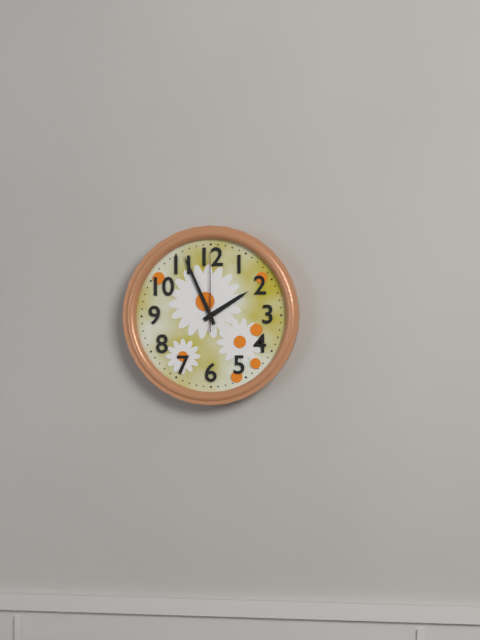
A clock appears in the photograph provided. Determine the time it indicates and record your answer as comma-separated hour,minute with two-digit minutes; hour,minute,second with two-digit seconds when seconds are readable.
1,56,00
